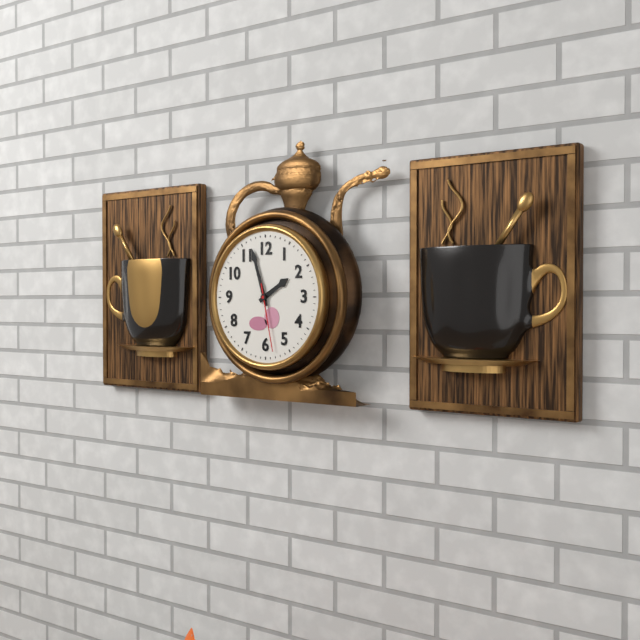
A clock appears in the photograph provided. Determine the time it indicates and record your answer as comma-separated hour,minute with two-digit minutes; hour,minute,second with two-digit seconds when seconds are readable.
1,57,28
